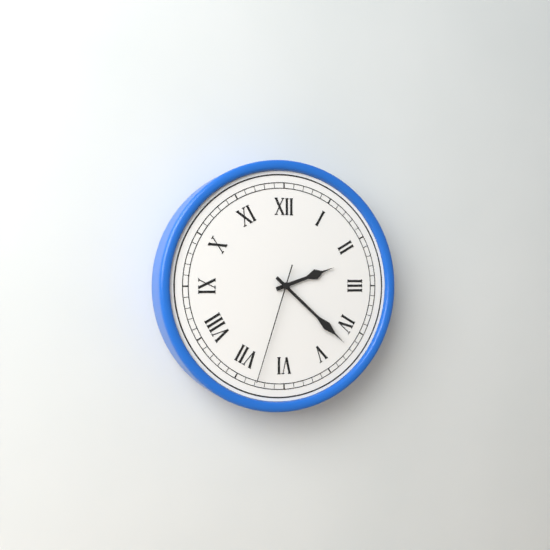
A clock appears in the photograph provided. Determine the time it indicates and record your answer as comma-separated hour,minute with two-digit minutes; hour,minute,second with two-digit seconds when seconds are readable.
2,22,33
